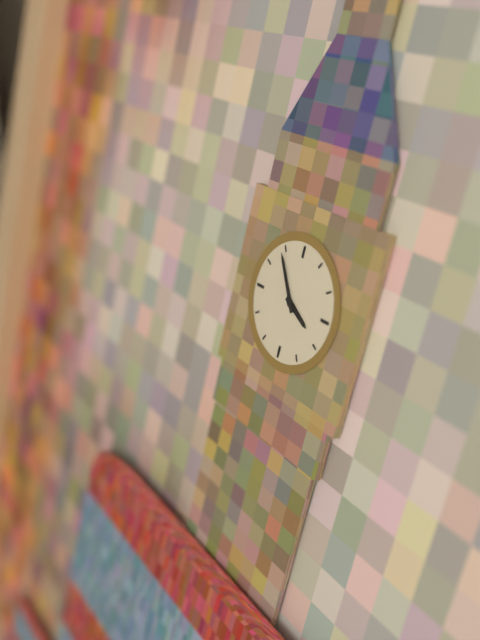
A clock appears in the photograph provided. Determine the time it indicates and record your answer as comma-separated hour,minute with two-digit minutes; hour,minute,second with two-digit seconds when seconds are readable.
3,54
